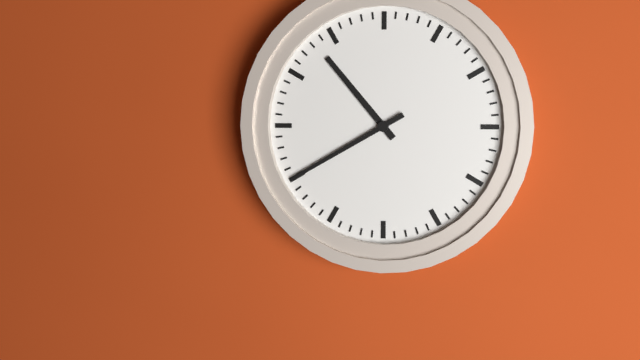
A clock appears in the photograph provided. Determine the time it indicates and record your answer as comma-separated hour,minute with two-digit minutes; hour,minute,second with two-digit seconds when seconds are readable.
10,40
